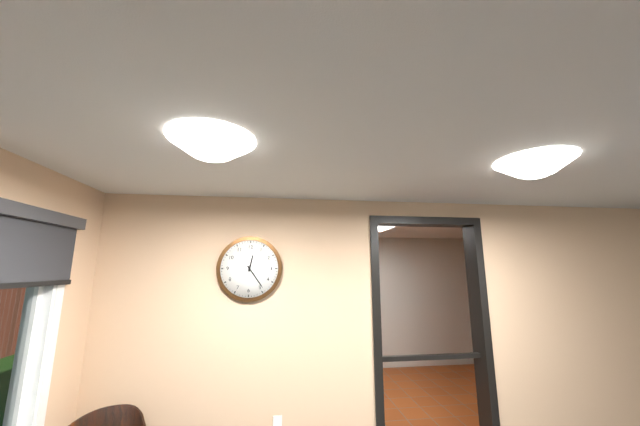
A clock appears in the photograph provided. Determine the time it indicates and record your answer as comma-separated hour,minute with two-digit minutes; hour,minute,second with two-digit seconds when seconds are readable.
12,24
